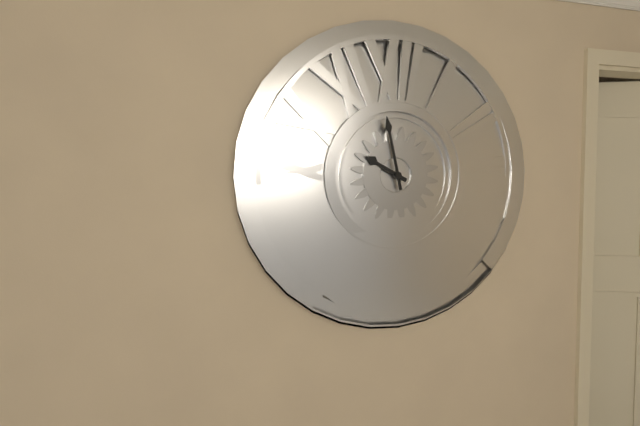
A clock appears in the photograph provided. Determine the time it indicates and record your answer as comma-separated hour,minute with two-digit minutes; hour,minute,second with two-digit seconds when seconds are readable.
9,58
